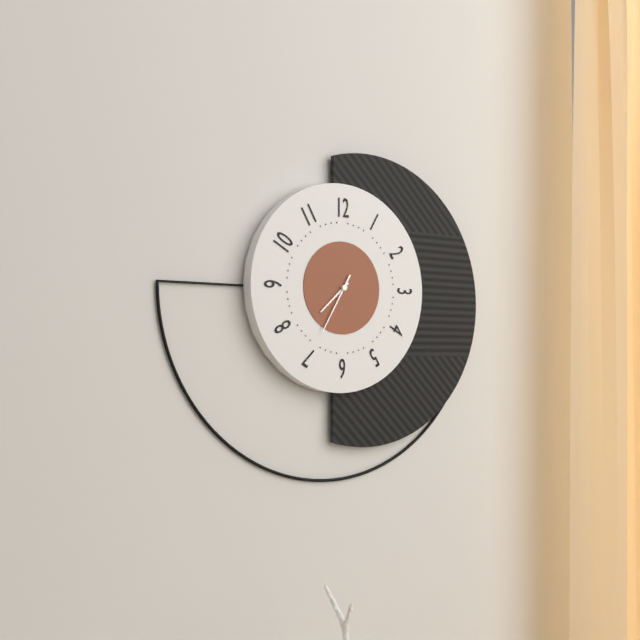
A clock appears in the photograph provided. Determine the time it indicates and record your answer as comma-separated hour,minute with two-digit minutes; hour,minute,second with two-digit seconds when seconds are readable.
7,35
